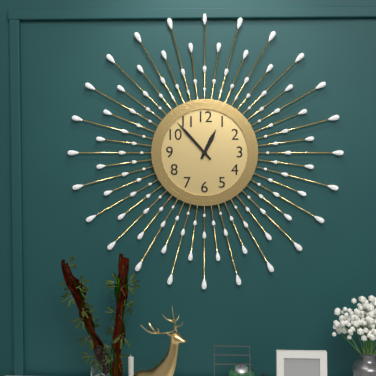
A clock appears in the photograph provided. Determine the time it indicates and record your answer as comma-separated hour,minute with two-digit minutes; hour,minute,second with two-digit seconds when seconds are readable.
12,53
